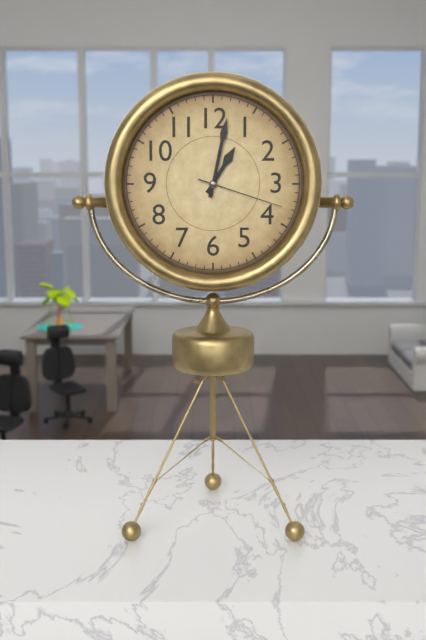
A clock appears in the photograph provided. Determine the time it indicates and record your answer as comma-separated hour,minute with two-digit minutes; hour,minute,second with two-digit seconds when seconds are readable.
1,02,18
